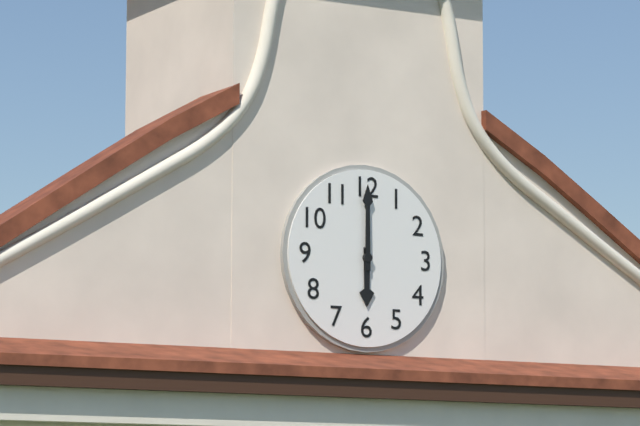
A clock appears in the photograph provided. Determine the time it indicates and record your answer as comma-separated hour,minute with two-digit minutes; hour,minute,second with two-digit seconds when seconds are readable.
6,00
